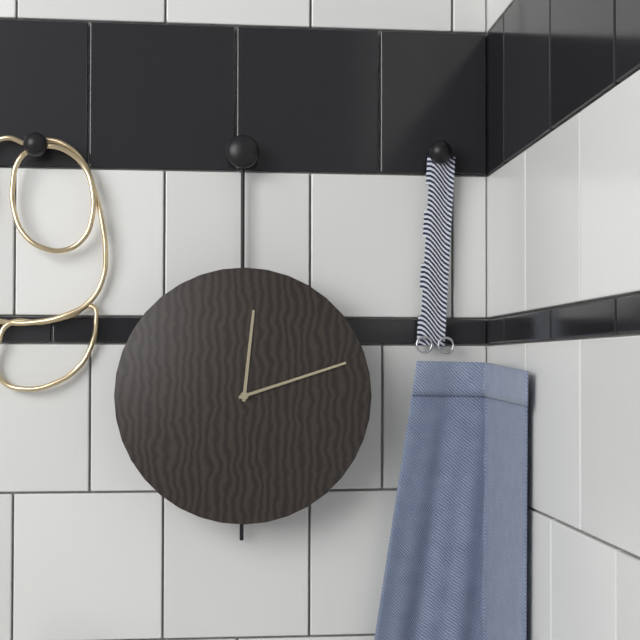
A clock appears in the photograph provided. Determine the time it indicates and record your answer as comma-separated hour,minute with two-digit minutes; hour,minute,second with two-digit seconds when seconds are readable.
12,12
